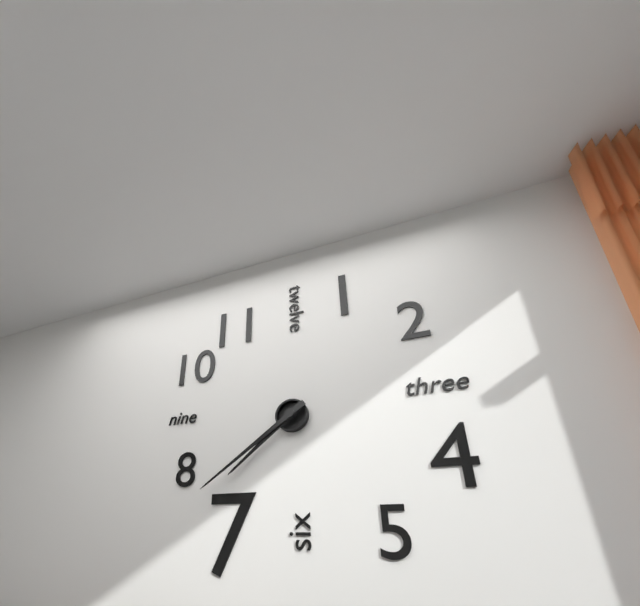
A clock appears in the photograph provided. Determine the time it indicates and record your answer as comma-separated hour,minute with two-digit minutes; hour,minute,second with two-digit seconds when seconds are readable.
7,39
